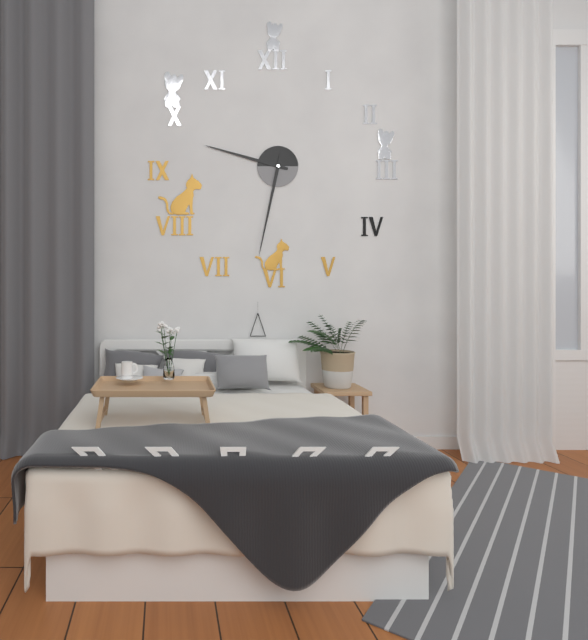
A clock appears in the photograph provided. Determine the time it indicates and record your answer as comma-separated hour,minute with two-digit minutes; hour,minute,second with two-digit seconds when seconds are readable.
9,32
